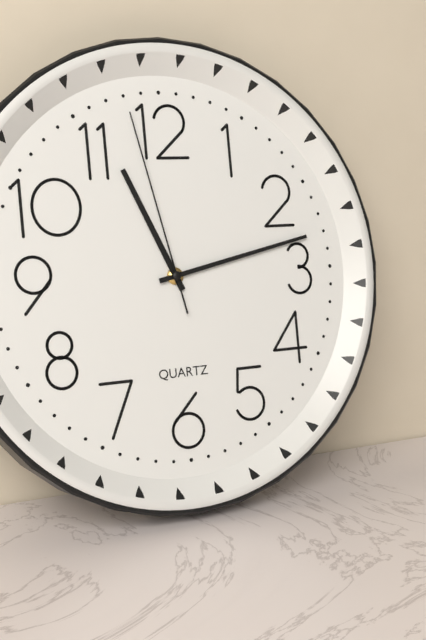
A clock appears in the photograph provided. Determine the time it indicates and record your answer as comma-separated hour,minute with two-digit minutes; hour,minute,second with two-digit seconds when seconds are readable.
11,13,58
